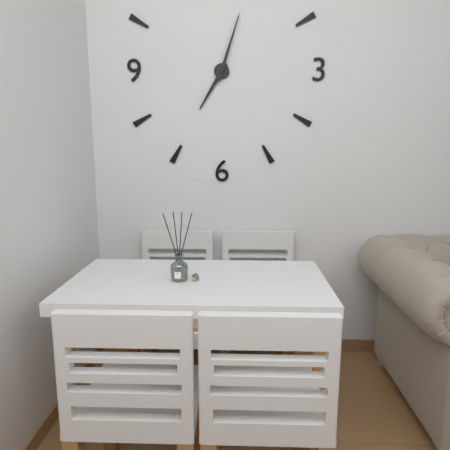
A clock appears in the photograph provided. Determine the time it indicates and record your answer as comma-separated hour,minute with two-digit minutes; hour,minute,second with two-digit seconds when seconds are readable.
7,03
